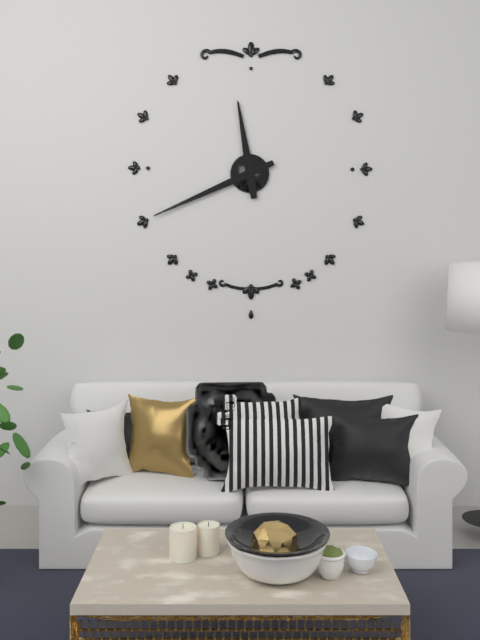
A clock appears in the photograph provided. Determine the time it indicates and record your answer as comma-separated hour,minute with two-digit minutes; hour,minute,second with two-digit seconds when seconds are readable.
11,41
